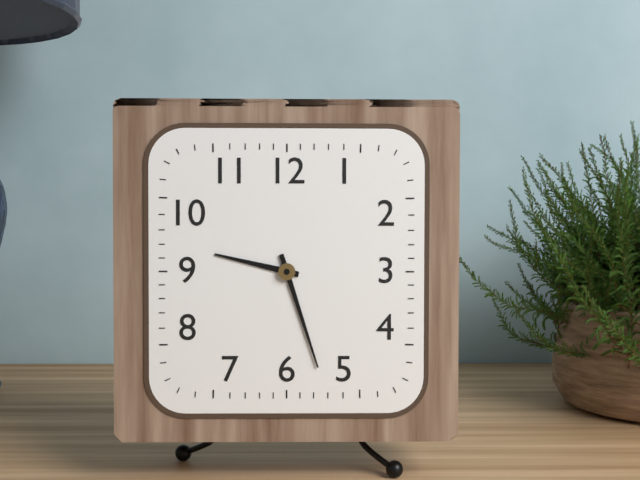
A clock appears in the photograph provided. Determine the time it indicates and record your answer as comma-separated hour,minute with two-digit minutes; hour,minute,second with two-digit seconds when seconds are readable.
9,27
